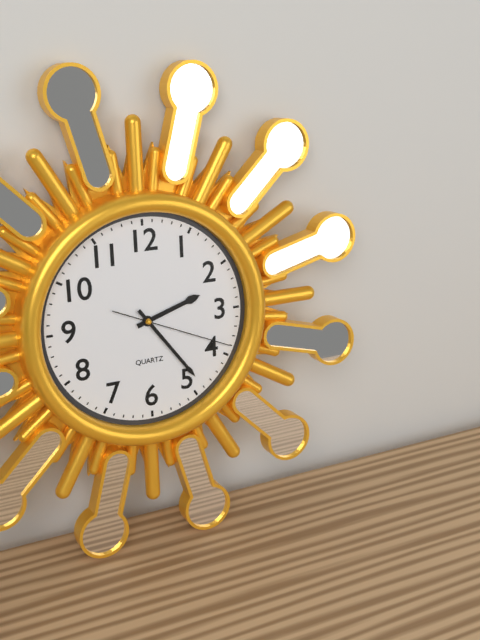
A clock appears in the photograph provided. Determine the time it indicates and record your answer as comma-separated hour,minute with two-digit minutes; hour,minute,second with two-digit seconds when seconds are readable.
2,24,19
